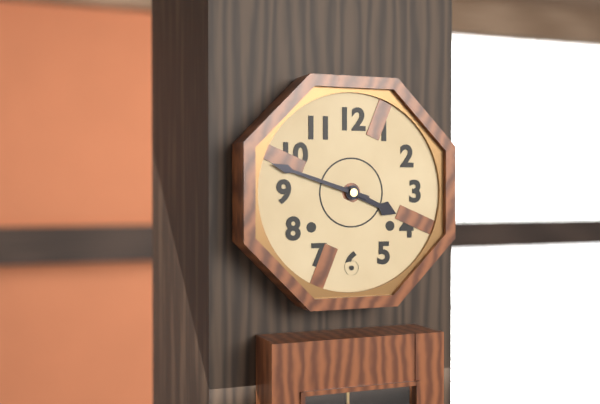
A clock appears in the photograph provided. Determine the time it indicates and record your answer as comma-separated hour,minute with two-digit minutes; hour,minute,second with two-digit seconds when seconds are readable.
3,48
